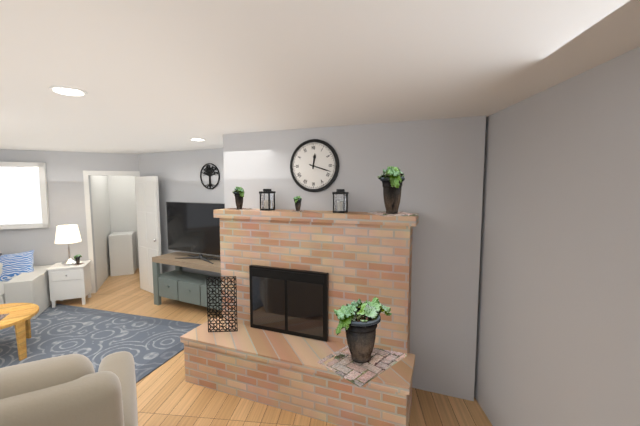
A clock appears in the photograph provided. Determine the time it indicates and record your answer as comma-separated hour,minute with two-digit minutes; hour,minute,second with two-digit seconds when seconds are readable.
12,18
